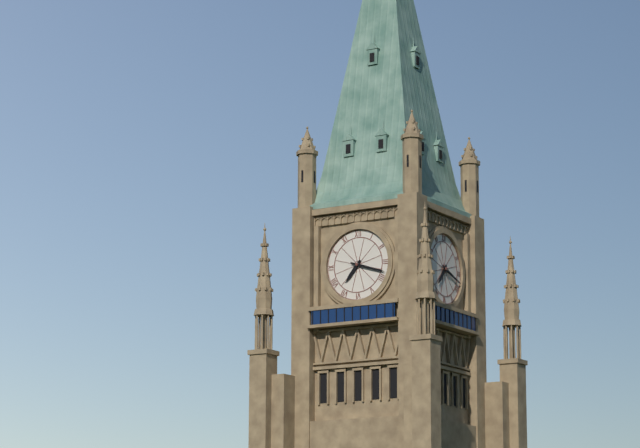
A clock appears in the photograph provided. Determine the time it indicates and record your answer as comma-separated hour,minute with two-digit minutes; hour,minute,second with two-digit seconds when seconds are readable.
7,18
